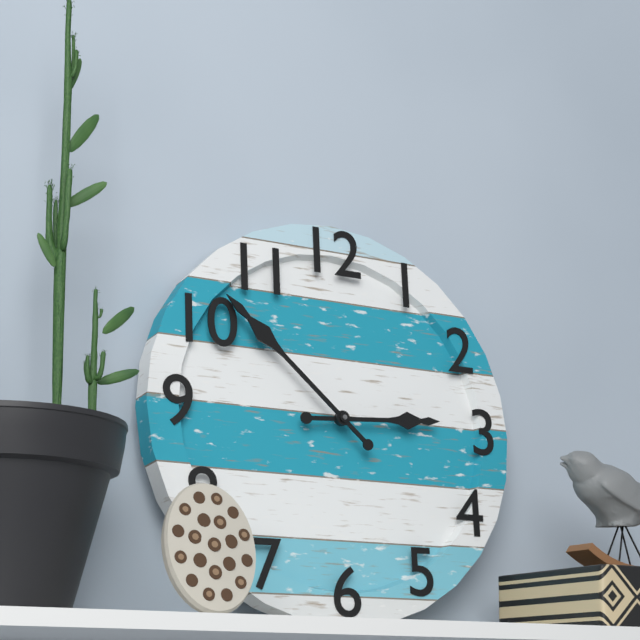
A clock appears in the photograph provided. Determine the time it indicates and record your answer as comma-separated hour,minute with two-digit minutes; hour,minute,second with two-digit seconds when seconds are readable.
2,52
